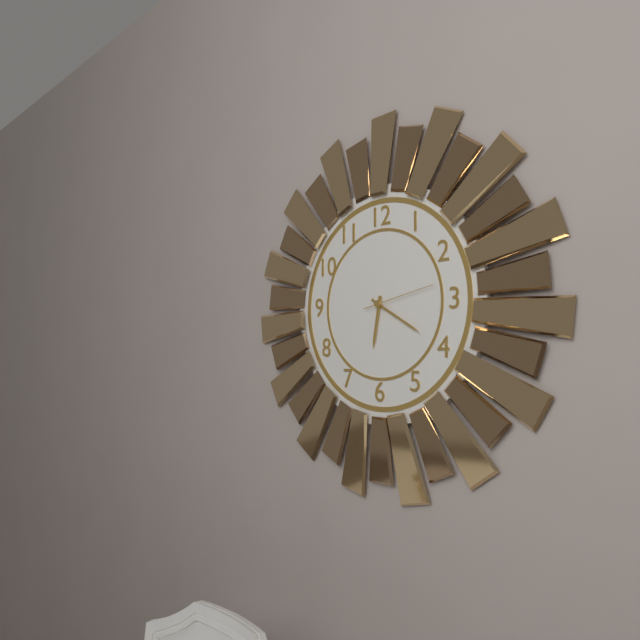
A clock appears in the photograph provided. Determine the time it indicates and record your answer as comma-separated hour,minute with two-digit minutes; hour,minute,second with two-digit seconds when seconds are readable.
6,20,13
